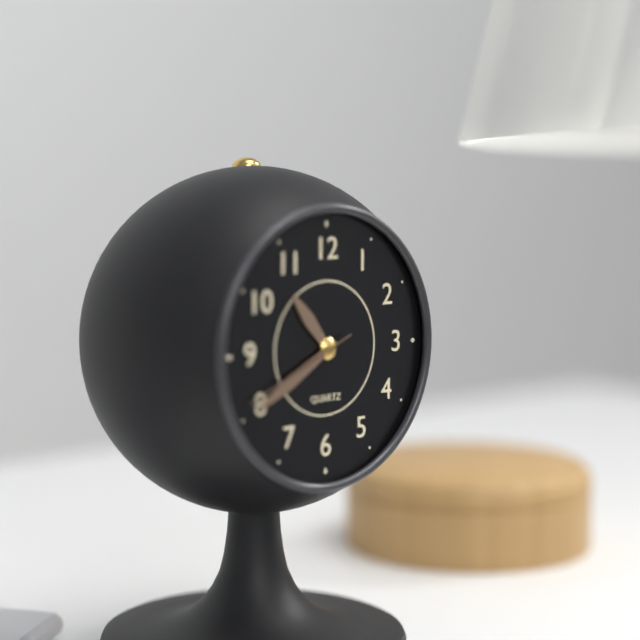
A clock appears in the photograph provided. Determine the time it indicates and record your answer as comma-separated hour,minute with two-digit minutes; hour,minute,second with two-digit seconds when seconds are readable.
10,40,41
